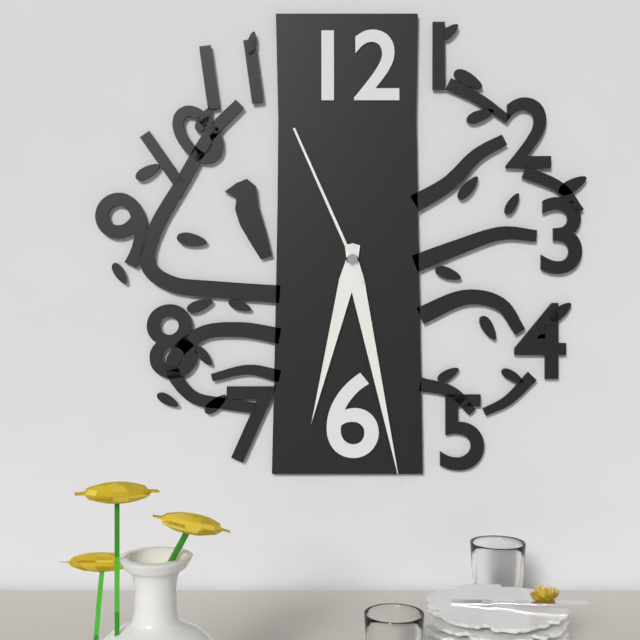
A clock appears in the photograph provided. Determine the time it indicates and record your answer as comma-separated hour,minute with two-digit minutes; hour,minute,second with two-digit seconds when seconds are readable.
6,28,56
